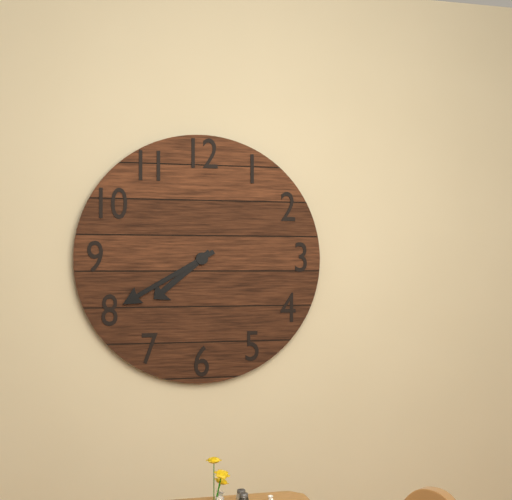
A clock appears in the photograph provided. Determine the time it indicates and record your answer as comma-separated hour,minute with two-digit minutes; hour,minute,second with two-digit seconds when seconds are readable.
7,40
